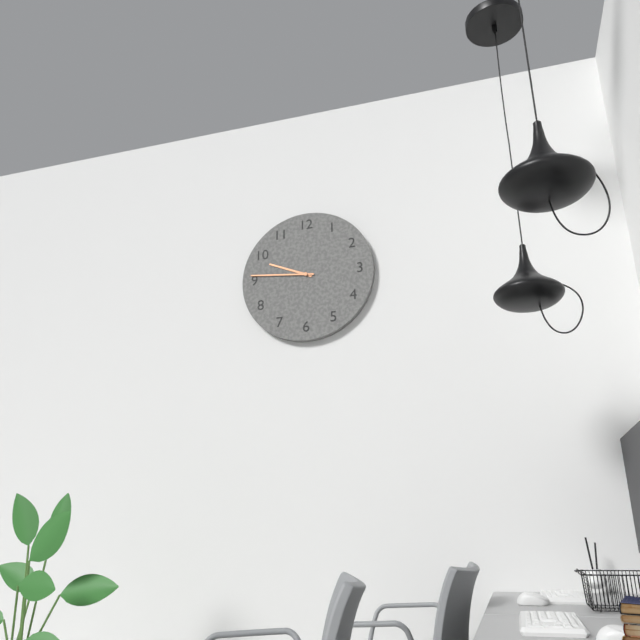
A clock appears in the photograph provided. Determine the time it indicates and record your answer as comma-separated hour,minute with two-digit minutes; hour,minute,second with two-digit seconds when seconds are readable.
9,46
